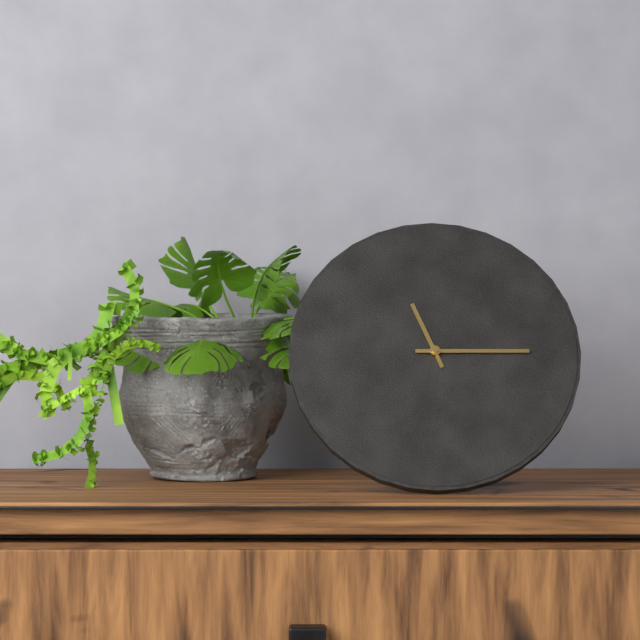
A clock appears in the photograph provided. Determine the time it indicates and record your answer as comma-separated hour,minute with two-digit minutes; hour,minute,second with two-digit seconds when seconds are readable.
11,15
